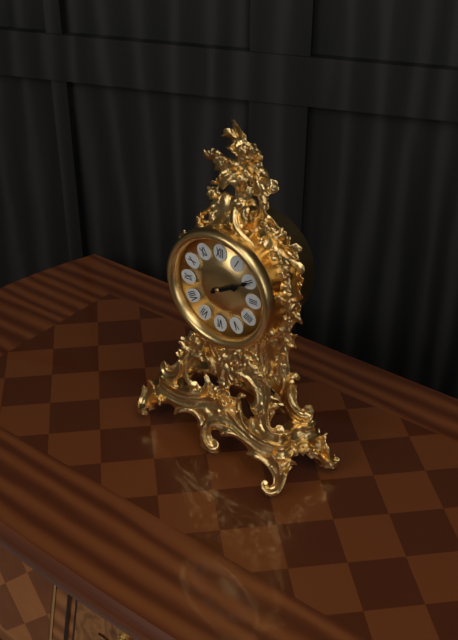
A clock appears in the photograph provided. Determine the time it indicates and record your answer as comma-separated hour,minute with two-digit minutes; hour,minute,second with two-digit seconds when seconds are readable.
2,10
